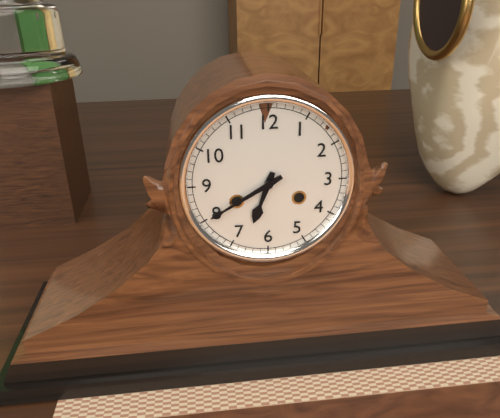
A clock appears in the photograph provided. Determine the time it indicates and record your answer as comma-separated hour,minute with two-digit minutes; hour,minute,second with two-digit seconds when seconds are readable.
6,40
